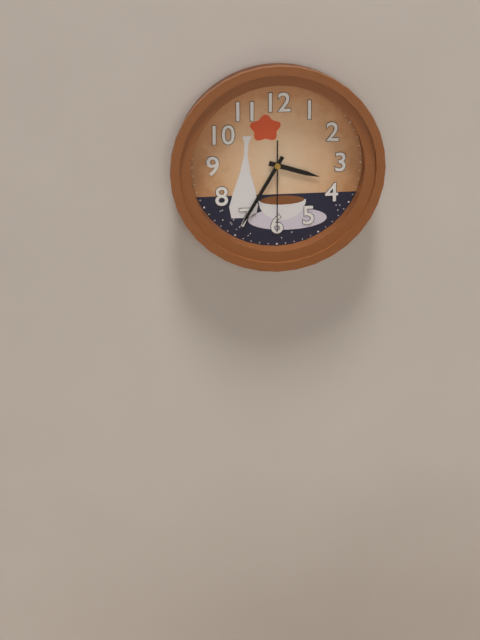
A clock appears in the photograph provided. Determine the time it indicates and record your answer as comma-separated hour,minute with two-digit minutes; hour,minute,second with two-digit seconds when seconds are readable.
3,35,30
